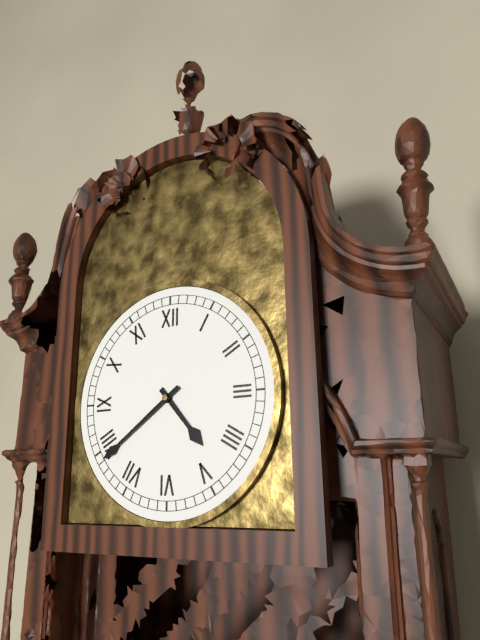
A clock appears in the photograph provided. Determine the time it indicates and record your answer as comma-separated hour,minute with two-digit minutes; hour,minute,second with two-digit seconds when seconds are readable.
4,39
